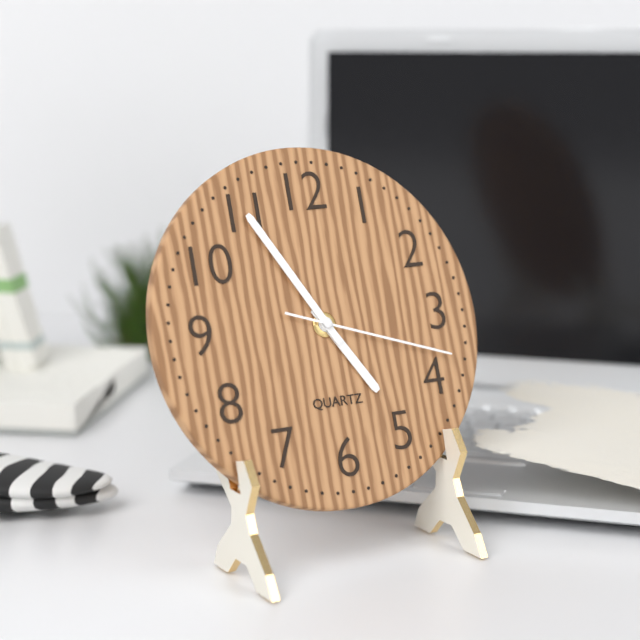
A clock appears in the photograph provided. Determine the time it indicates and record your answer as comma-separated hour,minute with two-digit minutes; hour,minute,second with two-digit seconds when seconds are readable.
4,55,18
